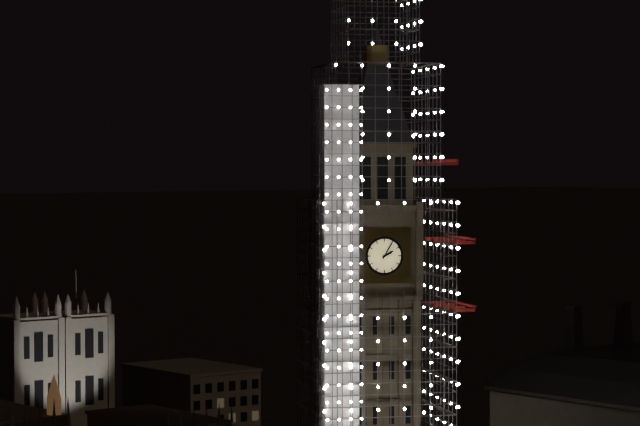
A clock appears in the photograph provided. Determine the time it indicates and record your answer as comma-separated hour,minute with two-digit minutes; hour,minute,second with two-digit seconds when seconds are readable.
2,05
